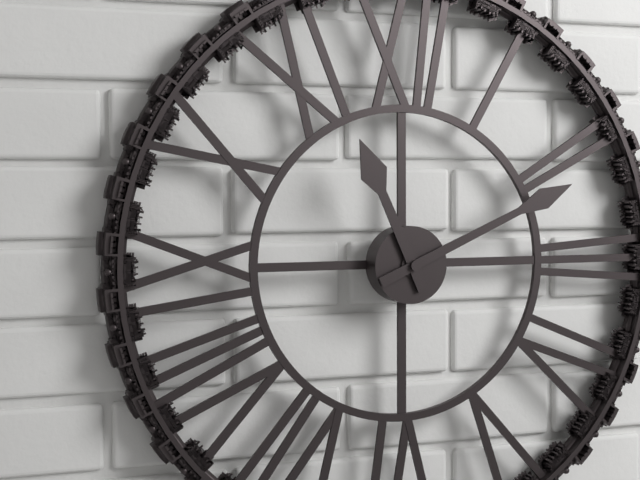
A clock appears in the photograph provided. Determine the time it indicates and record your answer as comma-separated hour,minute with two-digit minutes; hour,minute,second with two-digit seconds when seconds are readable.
11,11
